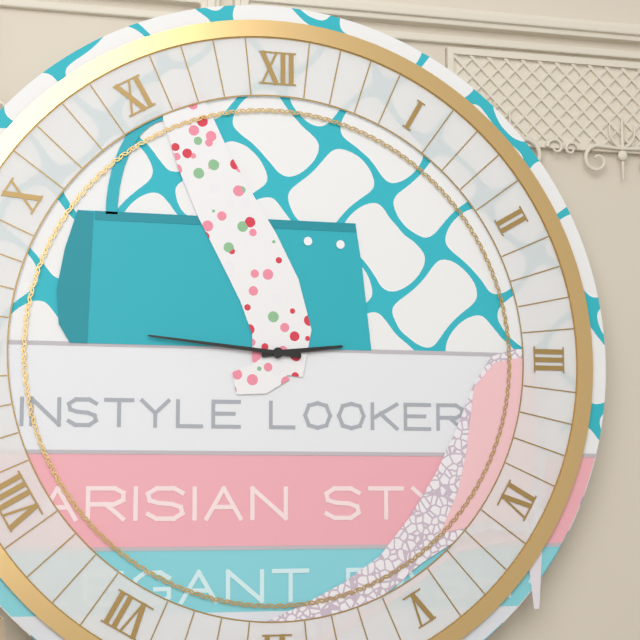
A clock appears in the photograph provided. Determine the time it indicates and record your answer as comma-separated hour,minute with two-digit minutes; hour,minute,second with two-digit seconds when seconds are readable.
2,46
